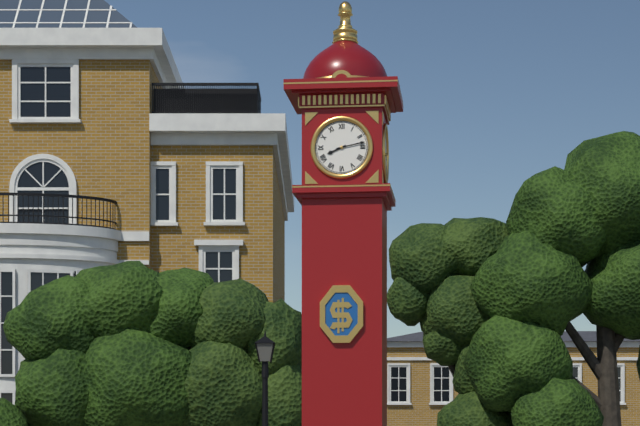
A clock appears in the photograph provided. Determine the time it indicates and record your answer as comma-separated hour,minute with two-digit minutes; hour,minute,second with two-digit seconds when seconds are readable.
8,13
